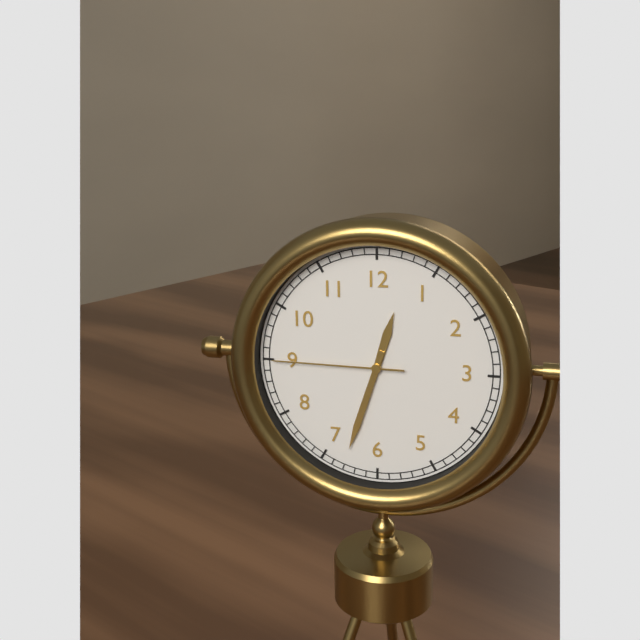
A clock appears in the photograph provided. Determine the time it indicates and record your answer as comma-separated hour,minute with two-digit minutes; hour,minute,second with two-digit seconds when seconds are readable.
12,33,45
